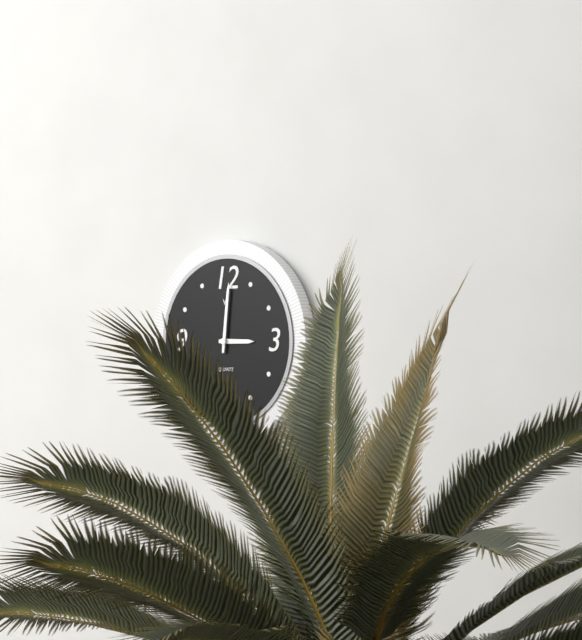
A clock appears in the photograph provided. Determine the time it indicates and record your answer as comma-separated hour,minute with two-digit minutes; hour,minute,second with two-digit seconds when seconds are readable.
3,01
